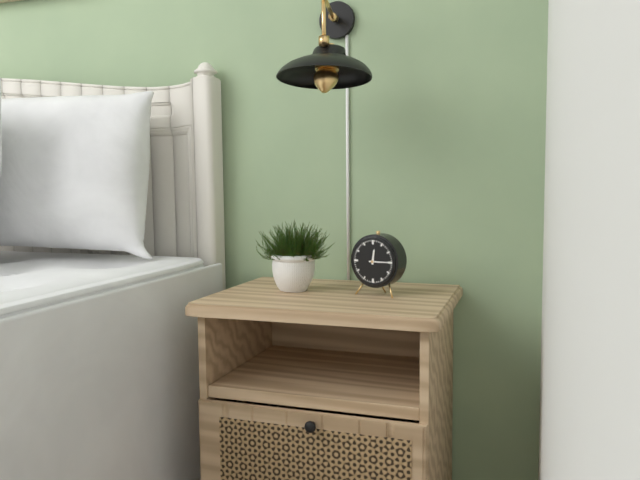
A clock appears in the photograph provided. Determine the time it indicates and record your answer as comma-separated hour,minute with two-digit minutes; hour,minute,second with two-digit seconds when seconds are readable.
12,15
